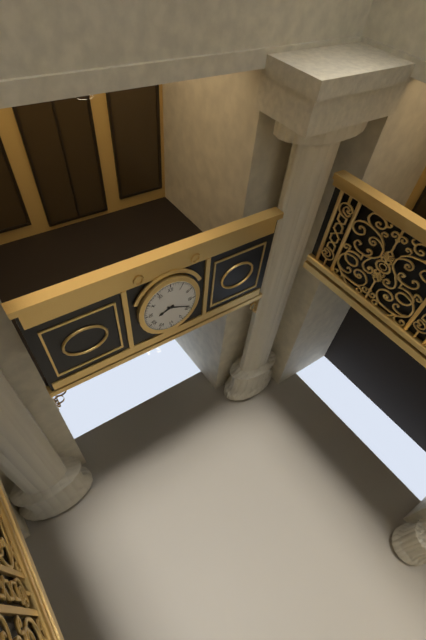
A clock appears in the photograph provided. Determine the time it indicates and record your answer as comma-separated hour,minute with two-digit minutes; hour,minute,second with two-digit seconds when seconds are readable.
8,19
